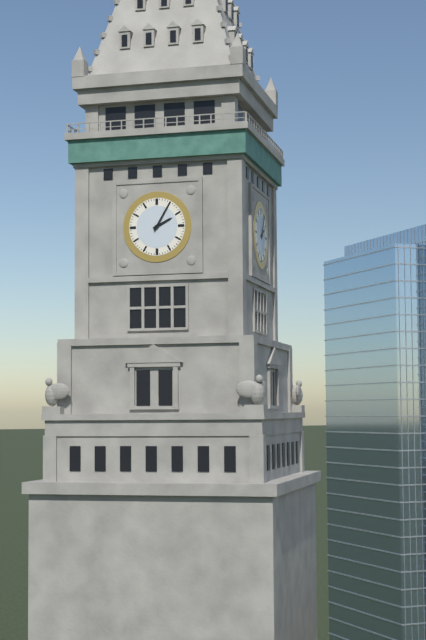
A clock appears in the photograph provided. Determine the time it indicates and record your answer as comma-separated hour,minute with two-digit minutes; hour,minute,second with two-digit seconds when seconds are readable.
2,05
